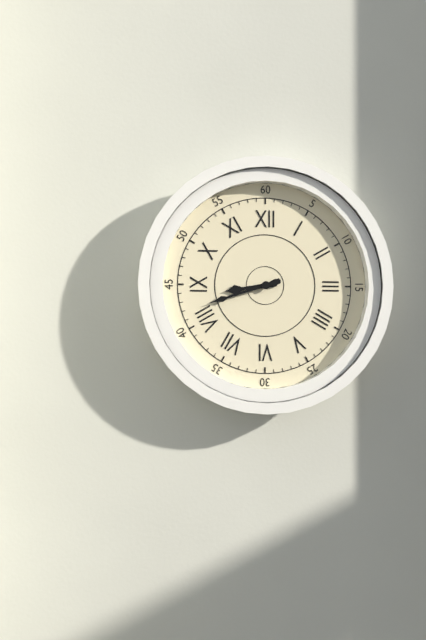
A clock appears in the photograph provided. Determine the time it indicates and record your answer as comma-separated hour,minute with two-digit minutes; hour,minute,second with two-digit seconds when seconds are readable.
8,42
